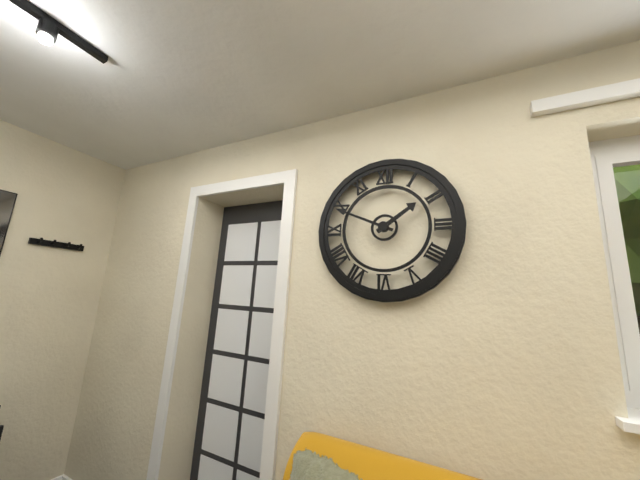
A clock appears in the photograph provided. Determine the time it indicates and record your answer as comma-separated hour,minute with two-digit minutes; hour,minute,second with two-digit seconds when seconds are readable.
1,49
